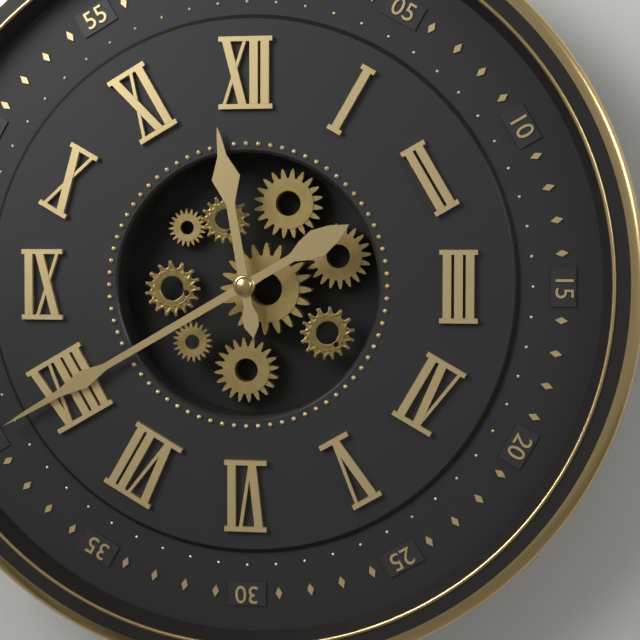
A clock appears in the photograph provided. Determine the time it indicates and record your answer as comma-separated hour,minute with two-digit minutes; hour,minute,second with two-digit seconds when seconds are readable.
11,40
